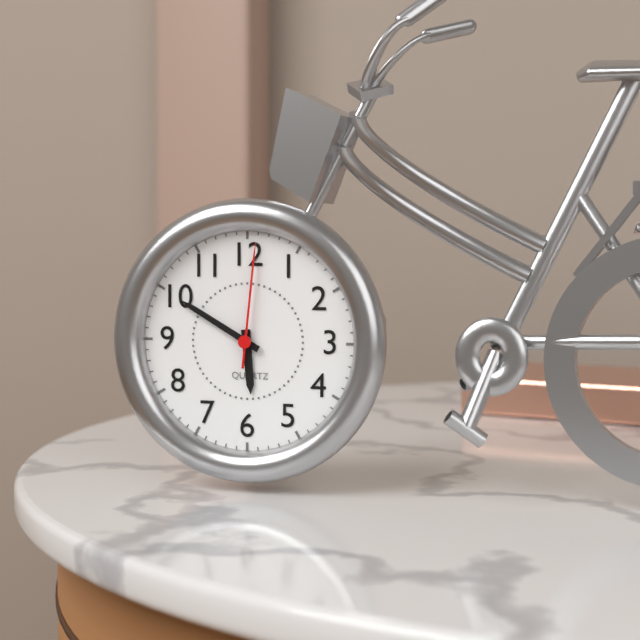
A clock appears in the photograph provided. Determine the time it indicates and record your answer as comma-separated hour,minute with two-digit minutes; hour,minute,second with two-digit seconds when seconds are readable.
5,50,01
